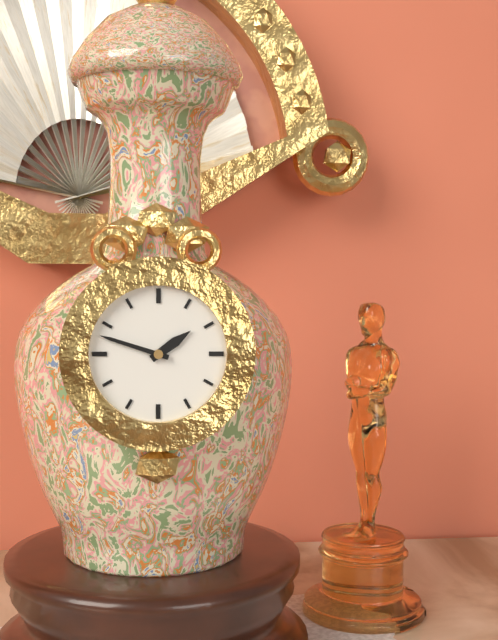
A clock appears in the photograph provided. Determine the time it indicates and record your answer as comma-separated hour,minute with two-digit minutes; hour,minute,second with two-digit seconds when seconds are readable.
1,48
